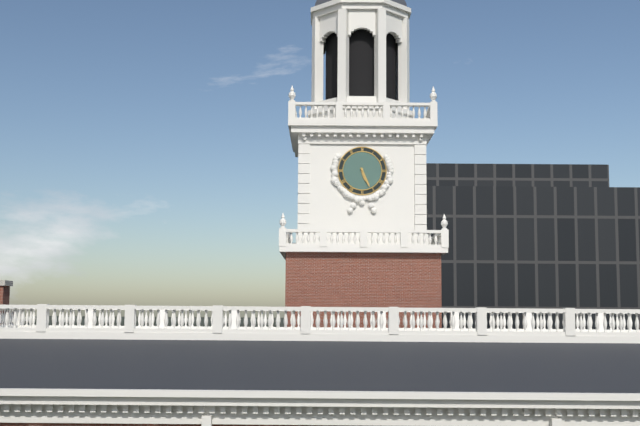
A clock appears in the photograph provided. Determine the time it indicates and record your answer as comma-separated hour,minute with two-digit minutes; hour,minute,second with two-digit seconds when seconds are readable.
5,26
